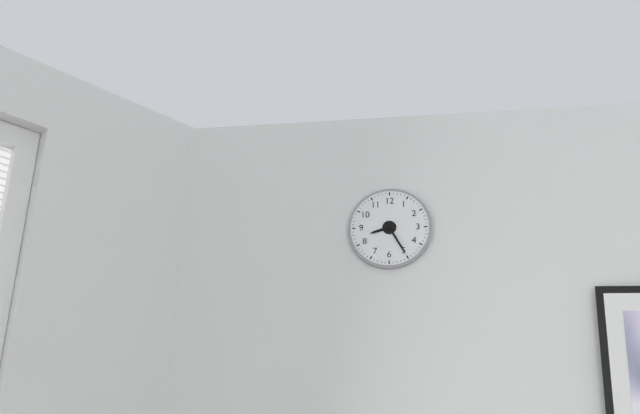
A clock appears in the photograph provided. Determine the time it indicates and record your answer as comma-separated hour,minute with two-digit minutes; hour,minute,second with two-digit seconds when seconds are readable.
8,25
